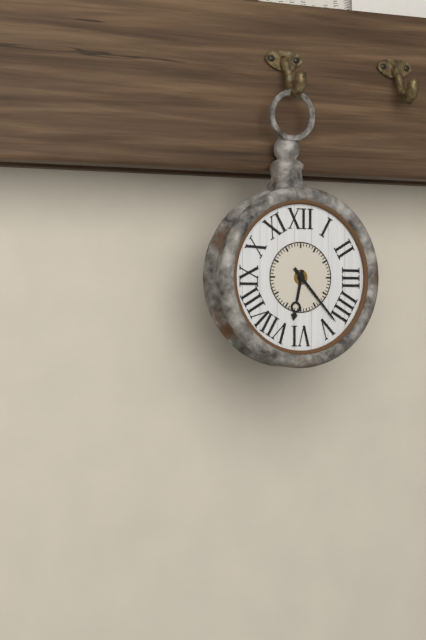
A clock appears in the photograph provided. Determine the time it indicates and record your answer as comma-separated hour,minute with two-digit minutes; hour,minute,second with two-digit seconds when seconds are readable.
6,23
